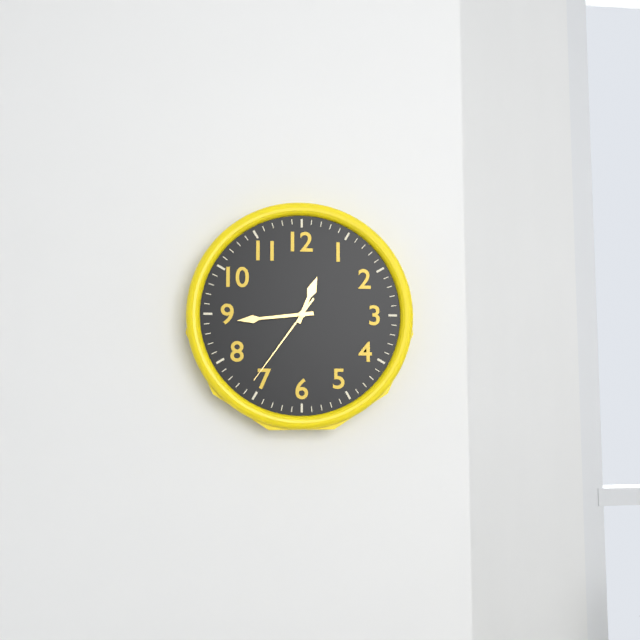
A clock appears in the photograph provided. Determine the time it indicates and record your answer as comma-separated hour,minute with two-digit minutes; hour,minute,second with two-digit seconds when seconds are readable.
12,44,36
